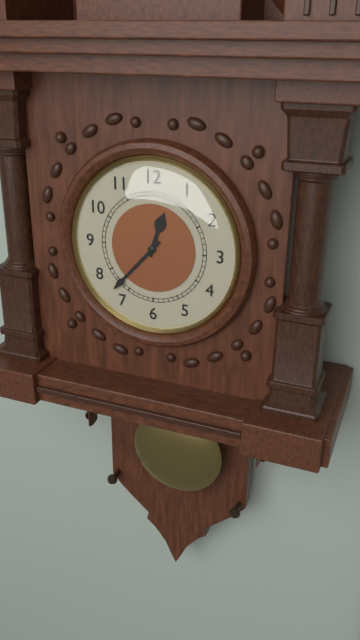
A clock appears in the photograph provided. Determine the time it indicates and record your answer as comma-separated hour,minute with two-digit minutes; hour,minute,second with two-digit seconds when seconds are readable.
12,37
